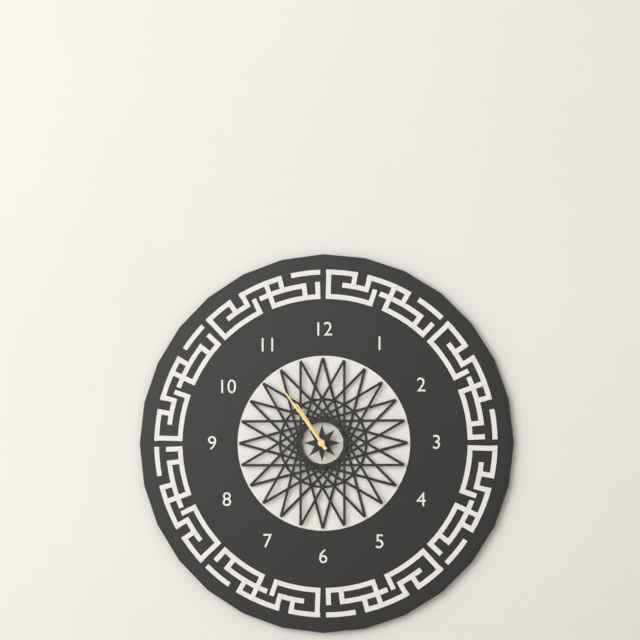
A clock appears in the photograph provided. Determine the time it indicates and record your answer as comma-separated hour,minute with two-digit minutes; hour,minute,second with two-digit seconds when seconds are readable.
10,54
